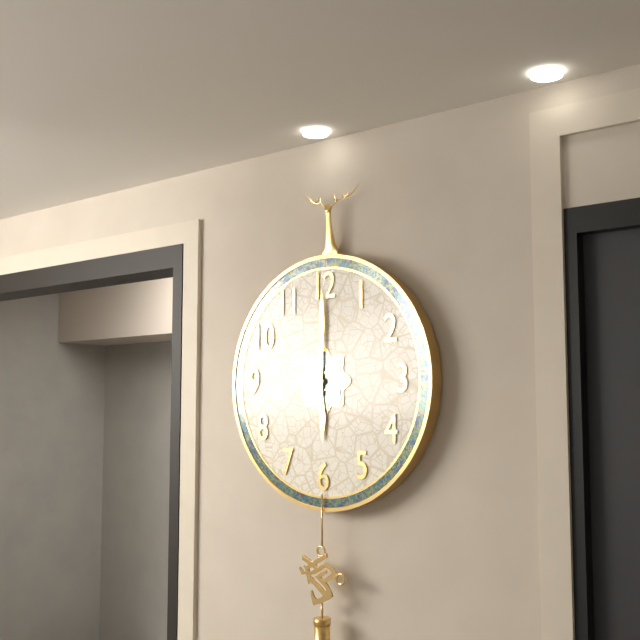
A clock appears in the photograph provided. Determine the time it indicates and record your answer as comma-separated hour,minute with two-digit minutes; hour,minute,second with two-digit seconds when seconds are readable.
6,00
